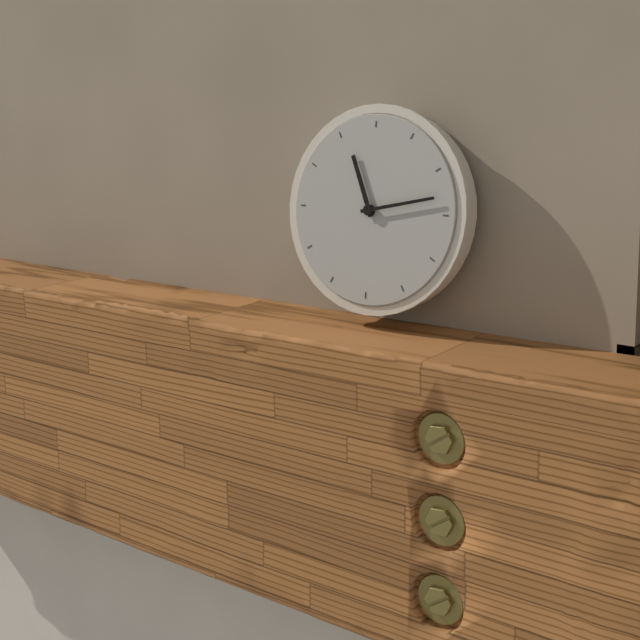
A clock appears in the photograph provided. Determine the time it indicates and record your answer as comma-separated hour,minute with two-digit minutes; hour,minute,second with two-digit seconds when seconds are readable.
11,13
